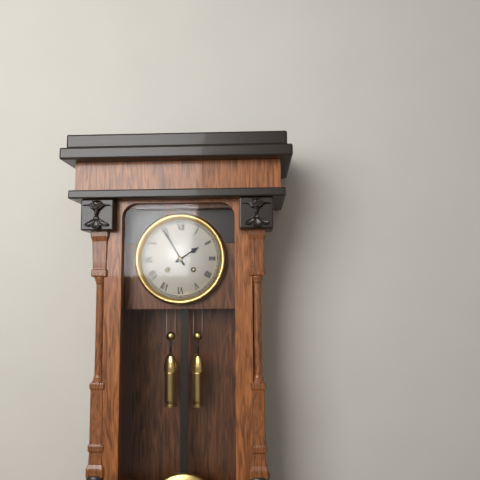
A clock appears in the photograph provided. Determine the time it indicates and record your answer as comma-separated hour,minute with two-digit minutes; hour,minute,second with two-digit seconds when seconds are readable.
1,55
